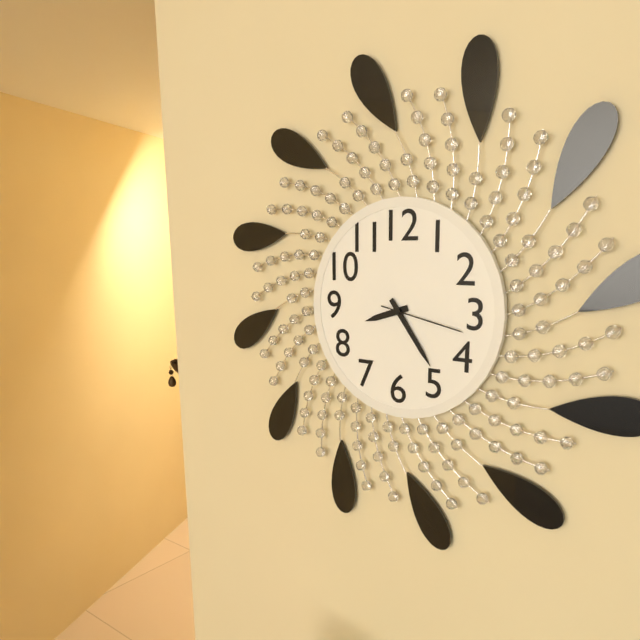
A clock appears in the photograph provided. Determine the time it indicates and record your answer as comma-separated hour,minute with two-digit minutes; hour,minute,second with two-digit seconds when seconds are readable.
8,24,17
